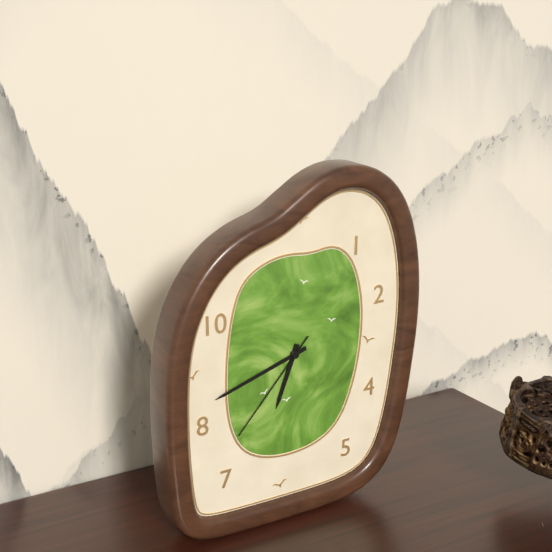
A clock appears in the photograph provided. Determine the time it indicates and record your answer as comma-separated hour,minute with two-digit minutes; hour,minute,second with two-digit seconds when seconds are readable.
6,42,37
